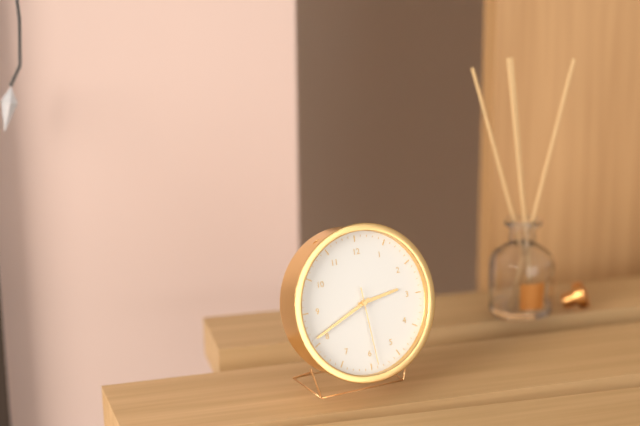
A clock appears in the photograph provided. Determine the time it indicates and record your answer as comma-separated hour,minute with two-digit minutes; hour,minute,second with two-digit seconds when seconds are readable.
2,41,29
